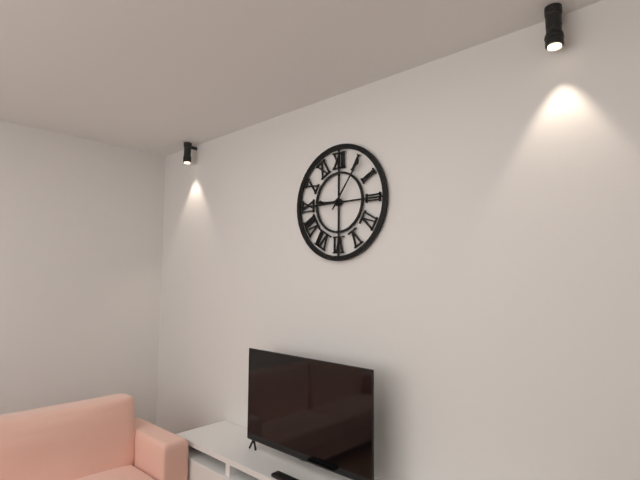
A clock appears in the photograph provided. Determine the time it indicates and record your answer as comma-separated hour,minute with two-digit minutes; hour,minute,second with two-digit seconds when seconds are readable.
9,06
